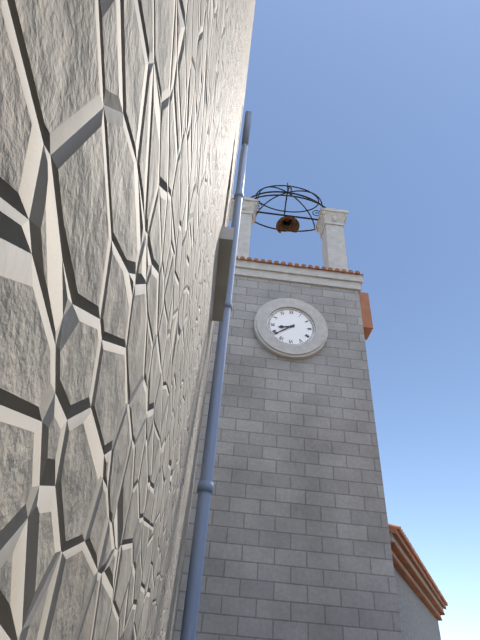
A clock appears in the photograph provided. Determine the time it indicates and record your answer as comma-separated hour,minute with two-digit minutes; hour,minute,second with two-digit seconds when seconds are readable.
8,39
